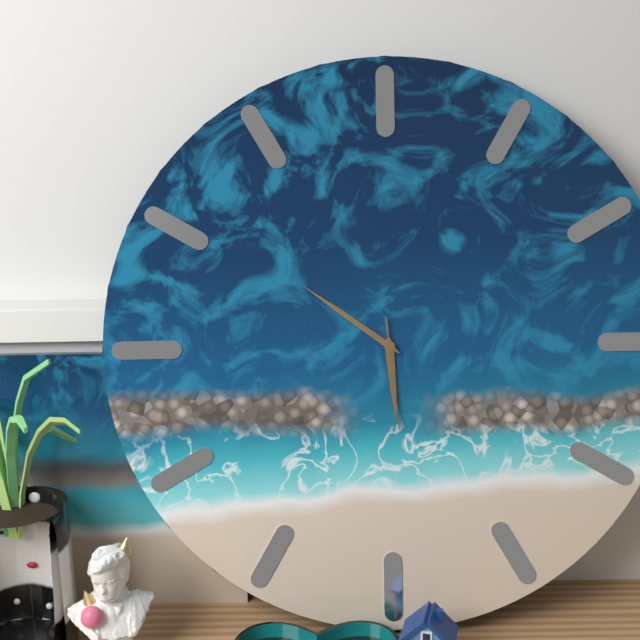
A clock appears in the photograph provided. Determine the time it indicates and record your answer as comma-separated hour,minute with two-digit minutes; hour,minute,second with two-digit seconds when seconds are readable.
5,51,29
